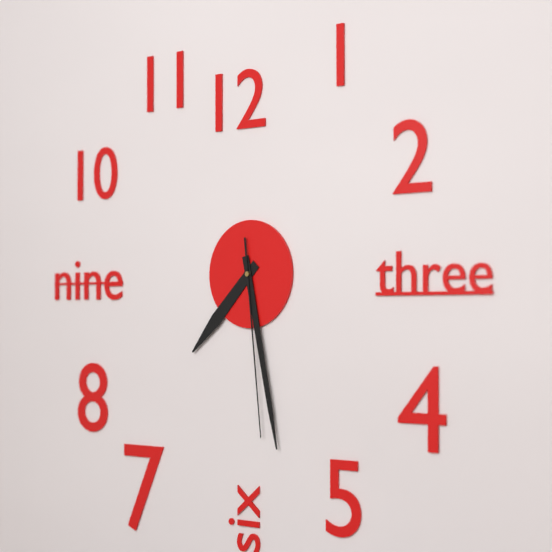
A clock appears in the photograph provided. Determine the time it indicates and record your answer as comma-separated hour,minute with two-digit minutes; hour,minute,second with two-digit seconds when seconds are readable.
7,28,29
